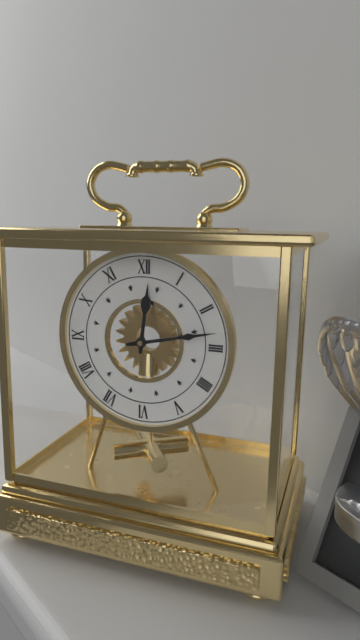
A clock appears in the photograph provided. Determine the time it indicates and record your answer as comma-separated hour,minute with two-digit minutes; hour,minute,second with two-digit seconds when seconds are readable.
12,13
